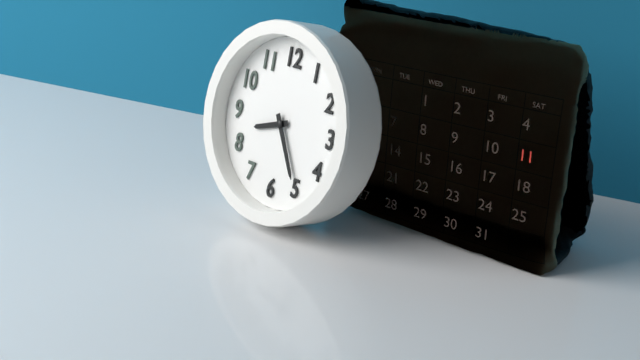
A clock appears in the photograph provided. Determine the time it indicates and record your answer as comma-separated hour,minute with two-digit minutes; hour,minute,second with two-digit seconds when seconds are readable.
8,25
